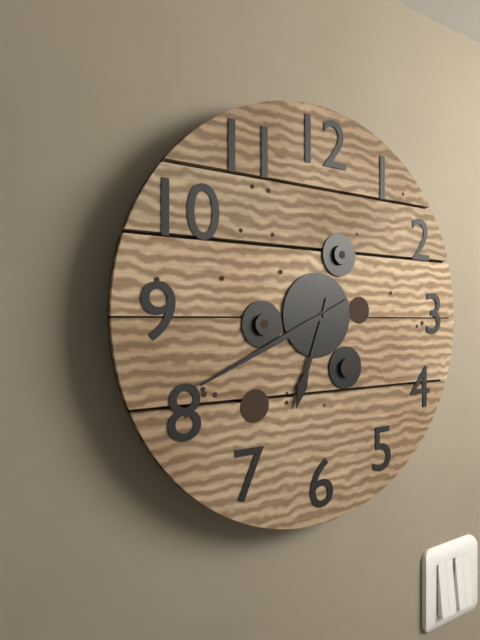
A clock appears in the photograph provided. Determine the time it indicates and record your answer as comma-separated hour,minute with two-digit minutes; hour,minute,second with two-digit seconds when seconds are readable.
6,41
